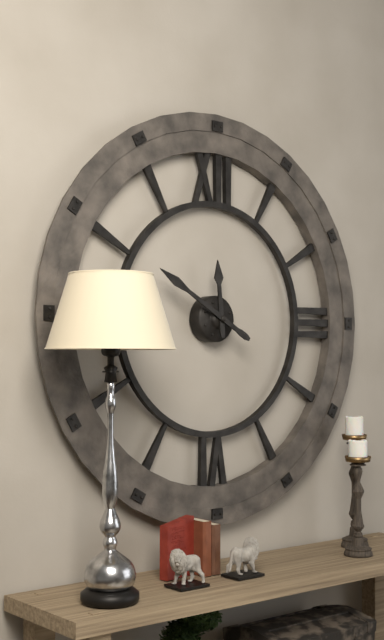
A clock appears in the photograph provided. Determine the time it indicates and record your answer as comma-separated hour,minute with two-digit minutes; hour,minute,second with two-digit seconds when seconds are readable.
11,50
